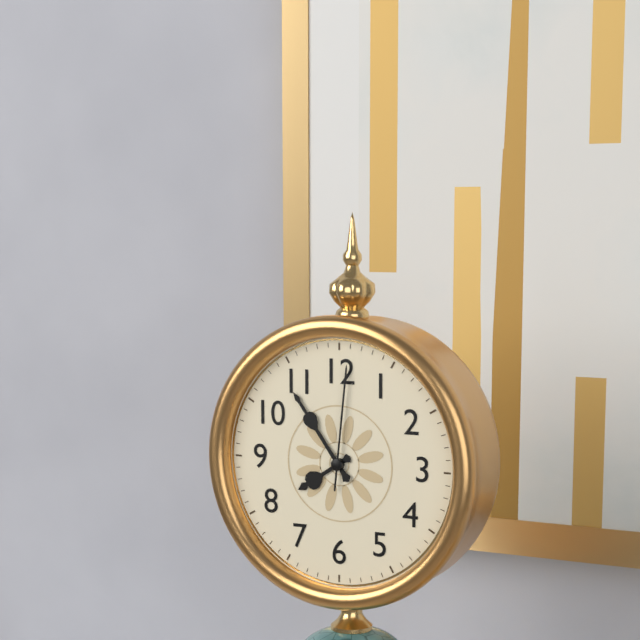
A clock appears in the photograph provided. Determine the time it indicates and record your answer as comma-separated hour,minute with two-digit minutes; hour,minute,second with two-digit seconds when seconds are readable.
7,54,01
